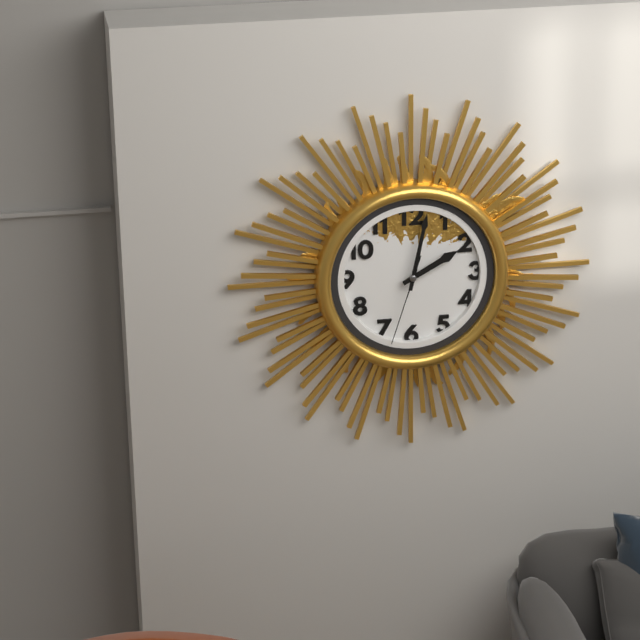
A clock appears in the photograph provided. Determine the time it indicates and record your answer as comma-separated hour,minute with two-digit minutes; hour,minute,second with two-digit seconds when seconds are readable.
2,02,33
